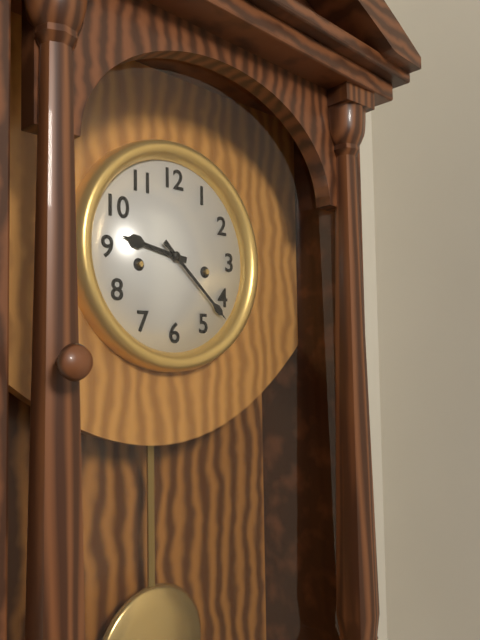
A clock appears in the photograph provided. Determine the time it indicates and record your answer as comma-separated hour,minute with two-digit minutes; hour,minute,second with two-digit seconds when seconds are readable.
9,22
